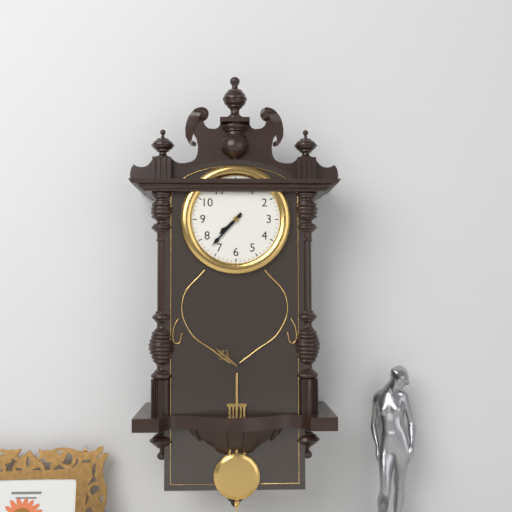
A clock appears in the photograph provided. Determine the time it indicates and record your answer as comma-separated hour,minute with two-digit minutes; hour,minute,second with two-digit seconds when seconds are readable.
7,37
